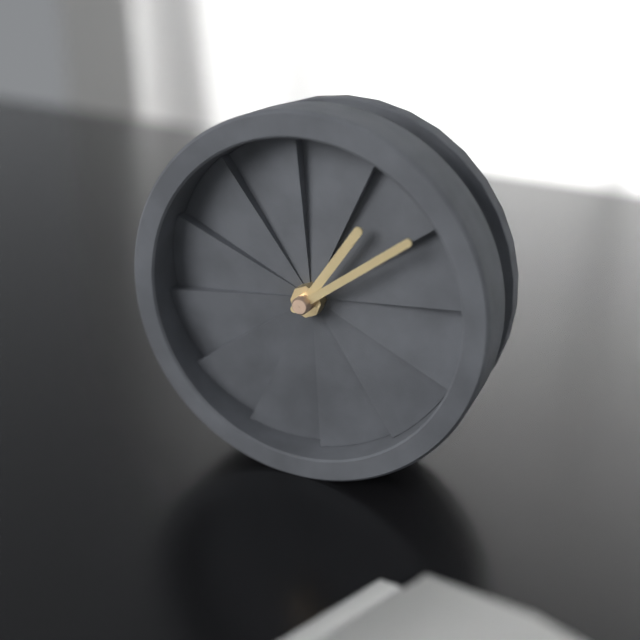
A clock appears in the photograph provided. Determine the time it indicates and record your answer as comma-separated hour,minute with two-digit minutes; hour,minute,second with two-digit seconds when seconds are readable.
1,09
